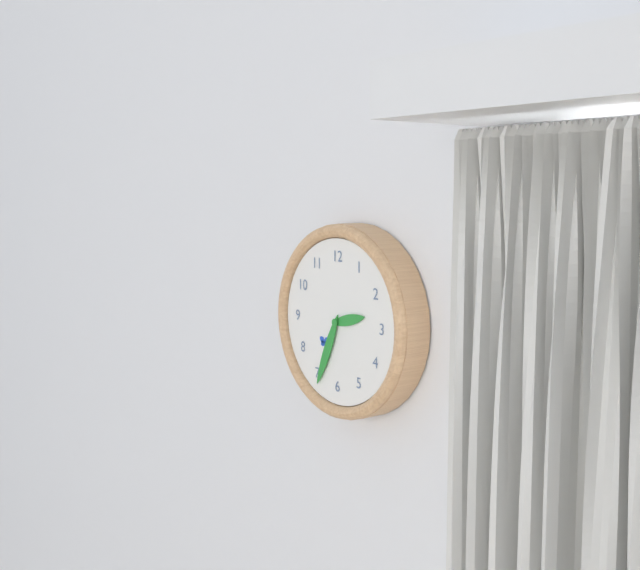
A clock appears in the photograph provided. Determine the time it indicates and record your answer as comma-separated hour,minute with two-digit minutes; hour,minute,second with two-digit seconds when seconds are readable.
2,34
